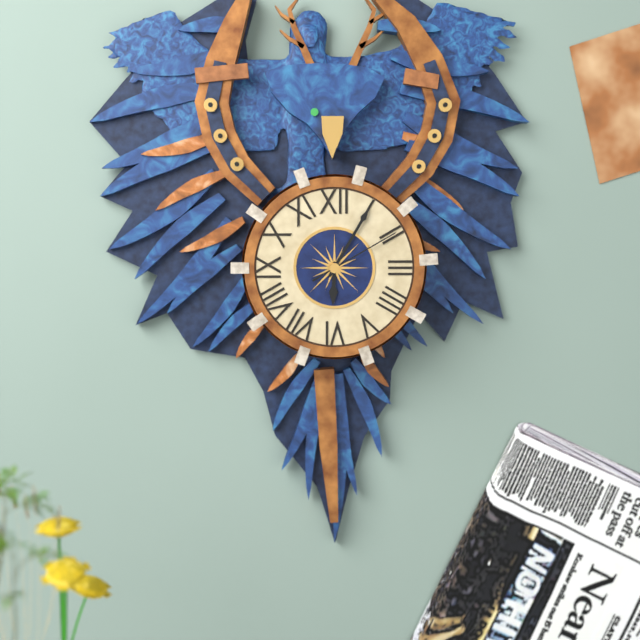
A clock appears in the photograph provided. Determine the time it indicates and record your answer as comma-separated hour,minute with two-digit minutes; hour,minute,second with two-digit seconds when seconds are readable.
6,05,10
